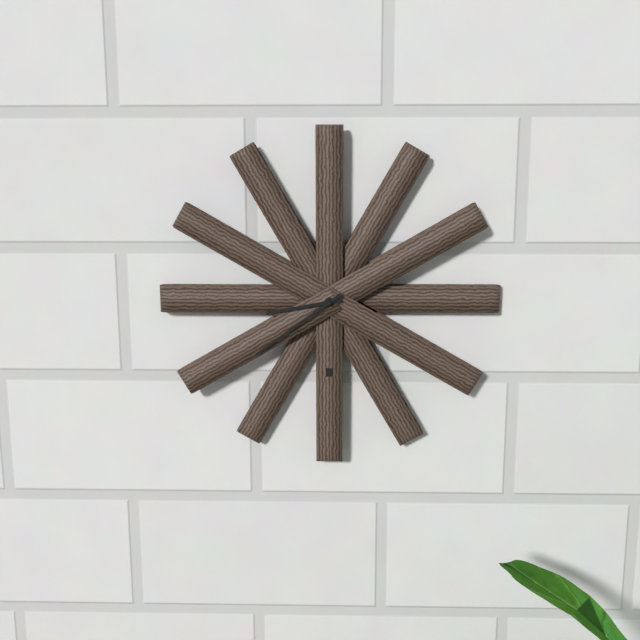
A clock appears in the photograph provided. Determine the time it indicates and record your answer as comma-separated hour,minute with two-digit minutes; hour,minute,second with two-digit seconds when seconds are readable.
8,39
